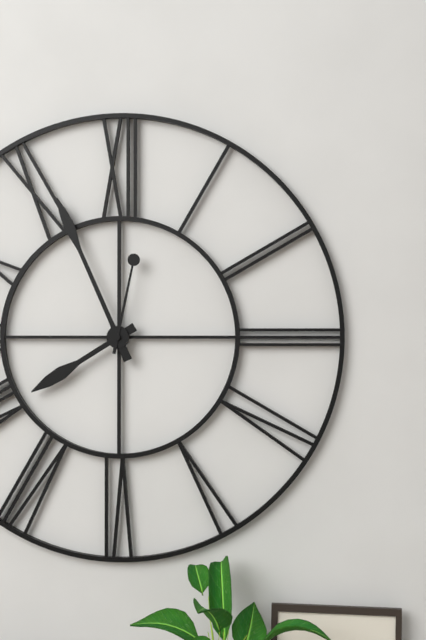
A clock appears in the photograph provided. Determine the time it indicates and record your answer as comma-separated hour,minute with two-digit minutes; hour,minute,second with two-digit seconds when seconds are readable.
7,56,02
